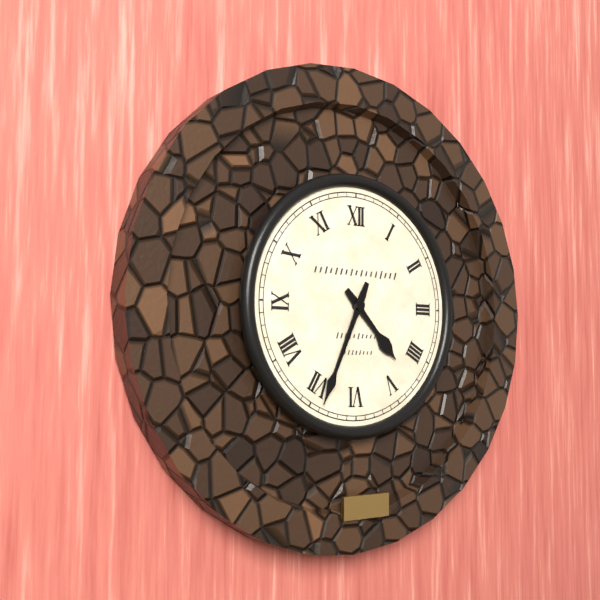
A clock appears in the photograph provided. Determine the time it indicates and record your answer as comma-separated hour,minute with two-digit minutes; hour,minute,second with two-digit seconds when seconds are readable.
4,34
